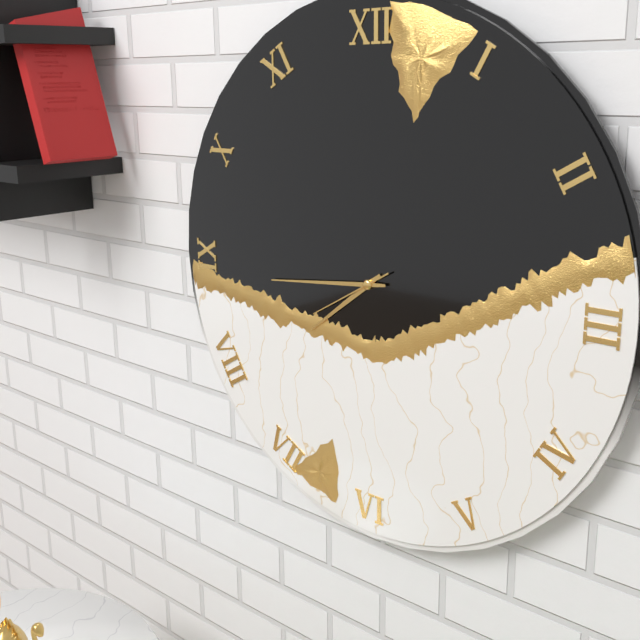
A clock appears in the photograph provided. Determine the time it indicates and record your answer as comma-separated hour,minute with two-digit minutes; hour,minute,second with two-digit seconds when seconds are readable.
7,44,40
